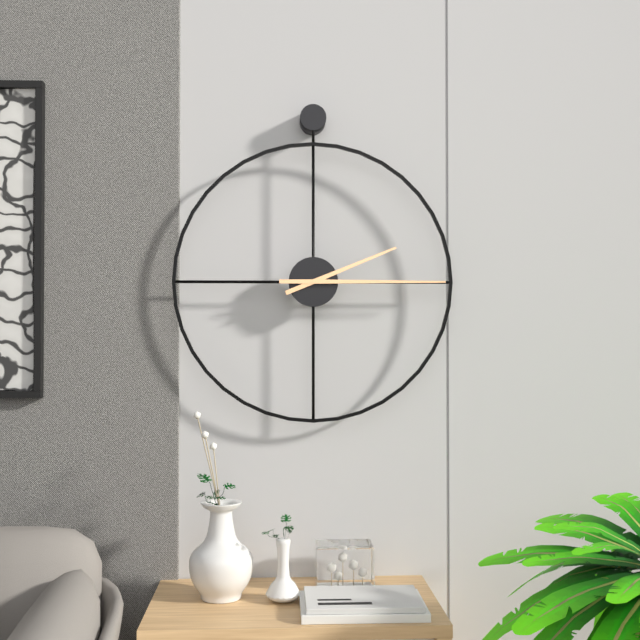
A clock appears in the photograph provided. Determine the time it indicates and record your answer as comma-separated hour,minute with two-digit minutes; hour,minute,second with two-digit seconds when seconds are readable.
2,15
